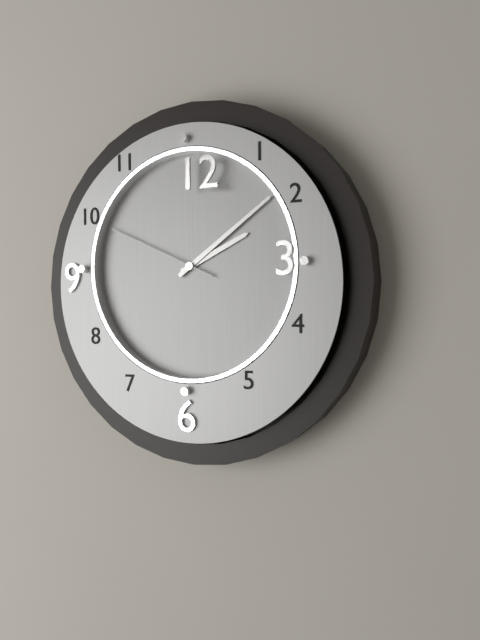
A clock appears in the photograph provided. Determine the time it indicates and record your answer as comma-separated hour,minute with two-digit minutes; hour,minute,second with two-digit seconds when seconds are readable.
2,09,49
